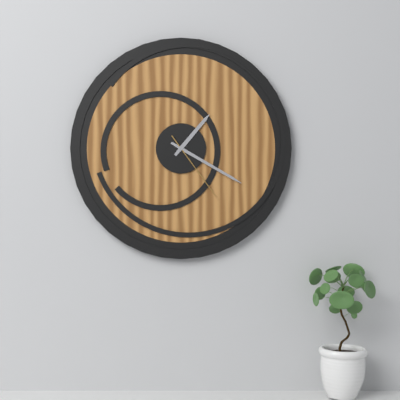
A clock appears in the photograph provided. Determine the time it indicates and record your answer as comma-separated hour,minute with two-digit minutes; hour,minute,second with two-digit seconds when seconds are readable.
1,20,24
